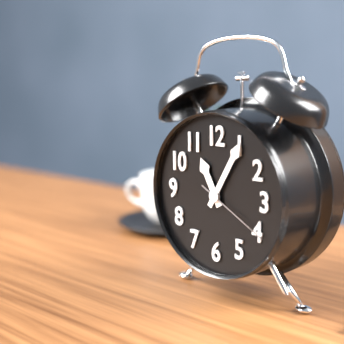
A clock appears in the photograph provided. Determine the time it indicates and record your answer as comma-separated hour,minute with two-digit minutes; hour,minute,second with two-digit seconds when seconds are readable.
11,05,20
